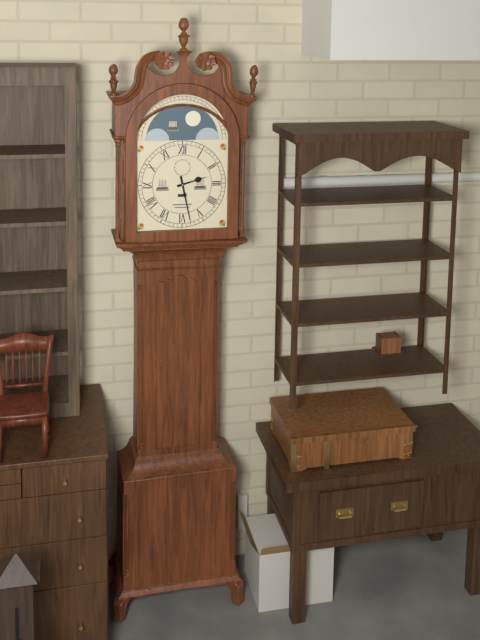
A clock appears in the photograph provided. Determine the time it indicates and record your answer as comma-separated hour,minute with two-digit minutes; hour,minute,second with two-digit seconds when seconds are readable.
2,28
